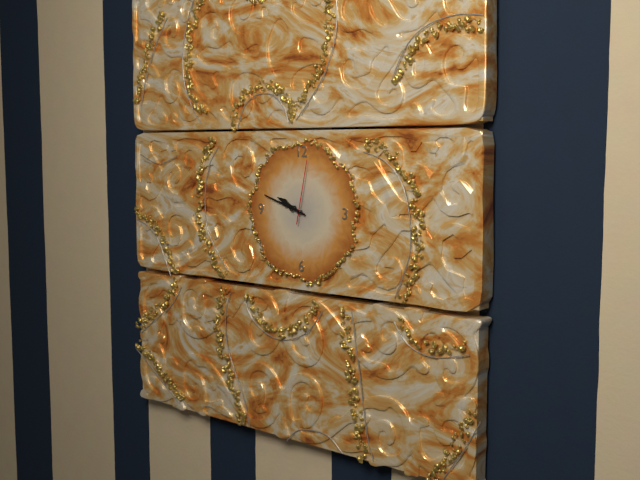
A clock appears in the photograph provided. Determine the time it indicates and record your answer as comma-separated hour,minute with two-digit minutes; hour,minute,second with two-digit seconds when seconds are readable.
9,48,02
